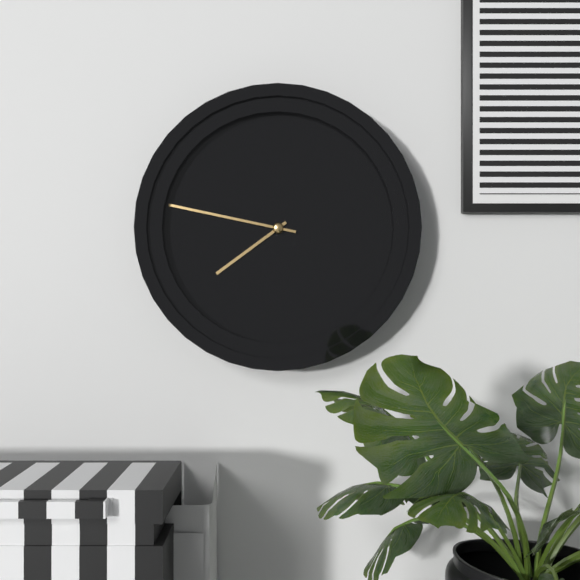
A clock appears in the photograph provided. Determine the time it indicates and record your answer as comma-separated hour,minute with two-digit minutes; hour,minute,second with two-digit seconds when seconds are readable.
7,47
